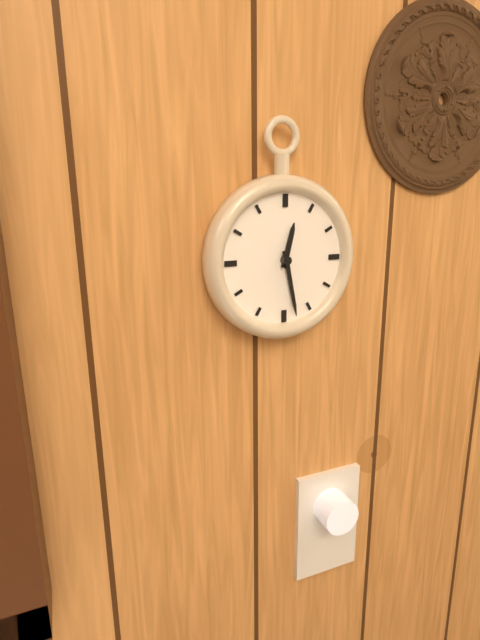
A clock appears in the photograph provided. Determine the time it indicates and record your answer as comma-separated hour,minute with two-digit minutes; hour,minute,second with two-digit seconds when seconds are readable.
12,28
